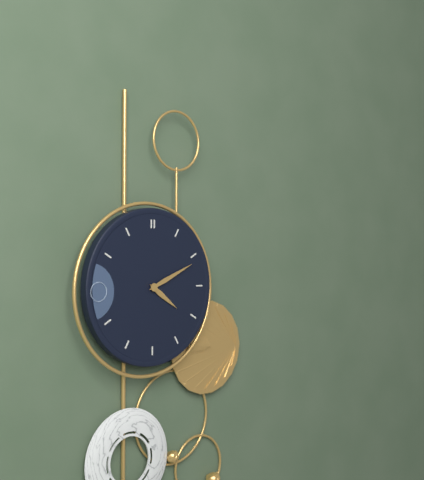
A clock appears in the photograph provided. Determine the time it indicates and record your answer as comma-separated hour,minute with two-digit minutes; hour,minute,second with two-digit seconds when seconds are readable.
4,11
